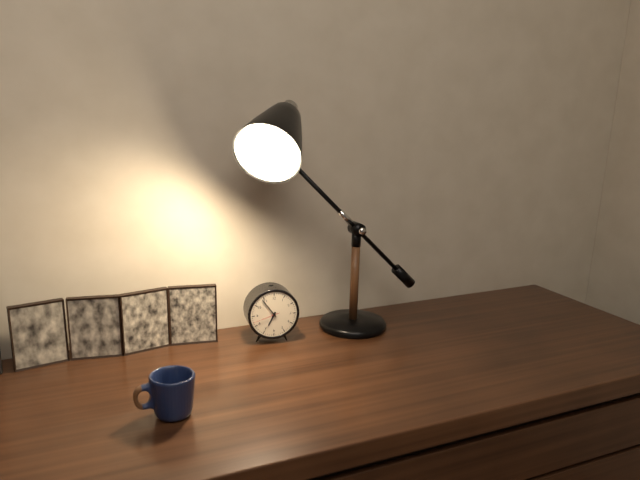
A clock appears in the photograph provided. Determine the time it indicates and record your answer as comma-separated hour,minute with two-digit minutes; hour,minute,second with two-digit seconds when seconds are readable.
6,54
